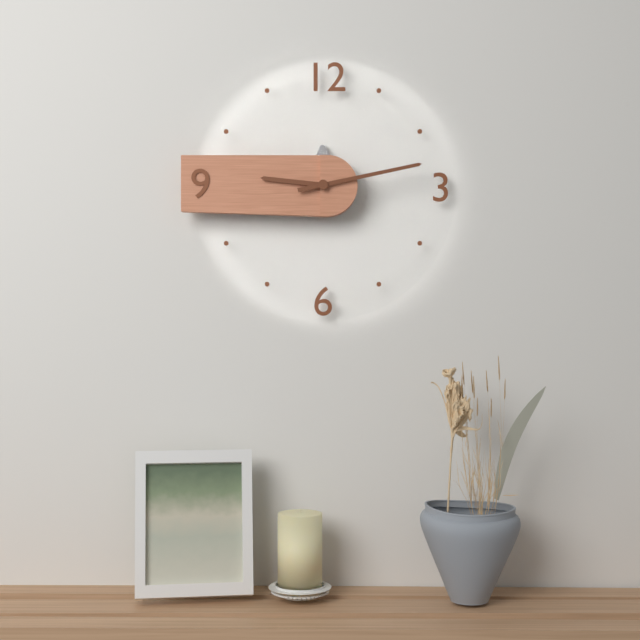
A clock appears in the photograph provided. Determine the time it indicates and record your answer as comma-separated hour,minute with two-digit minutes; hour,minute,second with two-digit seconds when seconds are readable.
9,13
